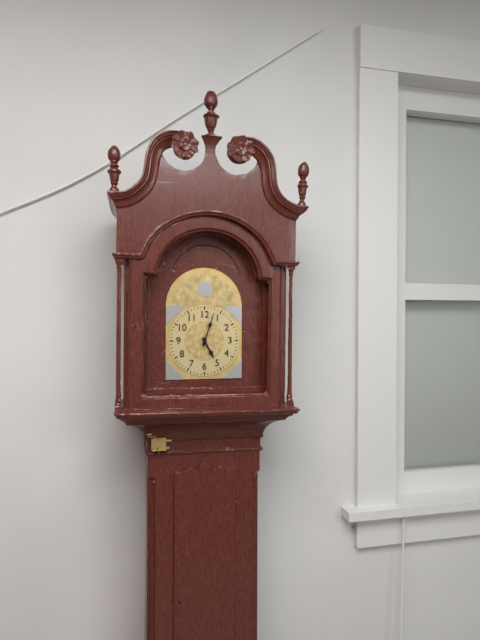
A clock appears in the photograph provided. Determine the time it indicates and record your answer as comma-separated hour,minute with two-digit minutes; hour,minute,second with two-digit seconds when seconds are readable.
5,03
